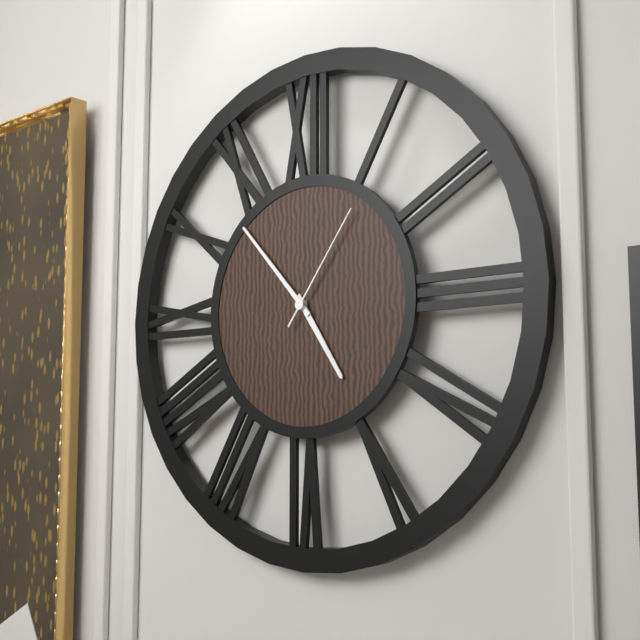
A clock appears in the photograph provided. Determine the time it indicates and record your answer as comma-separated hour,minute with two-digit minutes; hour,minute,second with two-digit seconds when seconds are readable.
4,53,06
